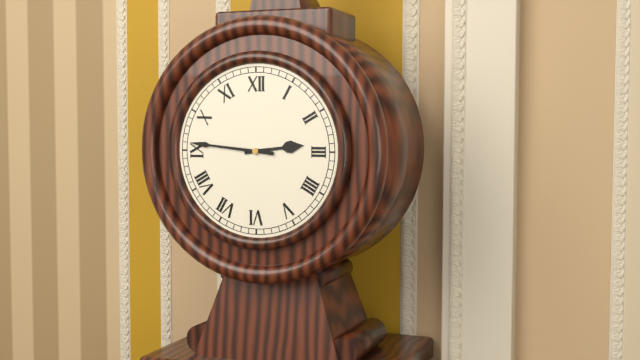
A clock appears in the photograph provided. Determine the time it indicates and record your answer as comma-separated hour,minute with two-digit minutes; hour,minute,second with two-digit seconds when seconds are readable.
2,46
